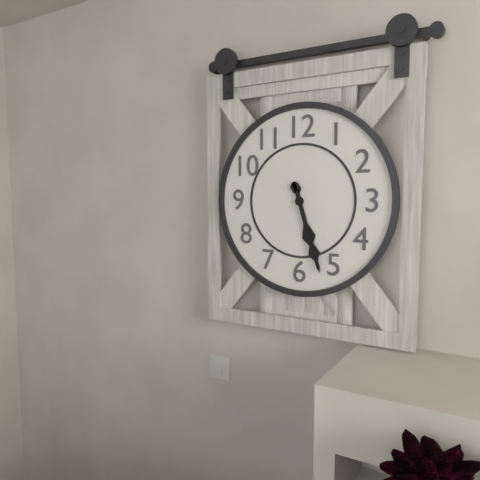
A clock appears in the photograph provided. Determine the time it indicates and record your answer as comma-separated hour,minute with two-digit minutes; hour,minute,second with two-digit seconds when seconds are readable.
5,27
